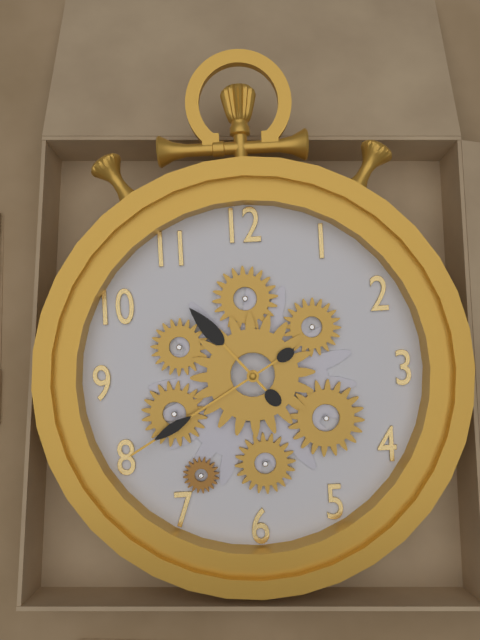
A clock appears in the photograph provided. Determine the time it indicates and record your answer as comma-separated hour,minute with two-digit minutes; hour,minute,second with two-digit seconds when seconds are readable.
10,40
